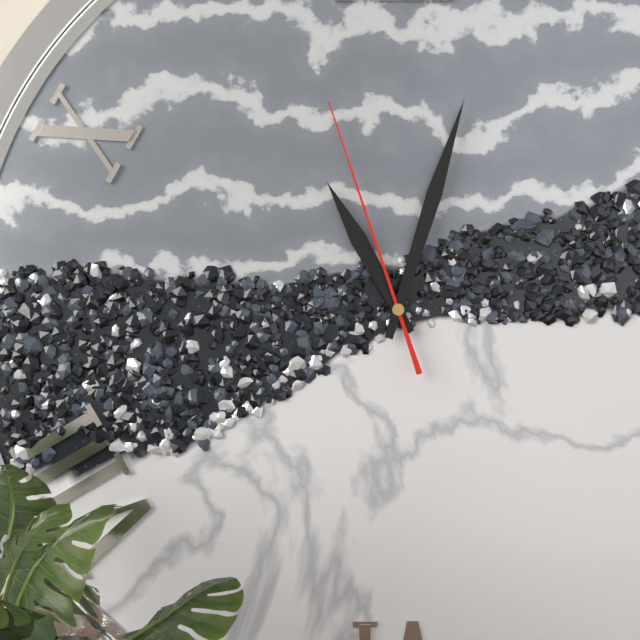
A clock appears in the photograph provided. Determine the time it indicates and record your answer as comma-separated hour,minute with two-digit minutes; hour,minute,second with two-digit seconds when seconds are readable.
11,03,57
